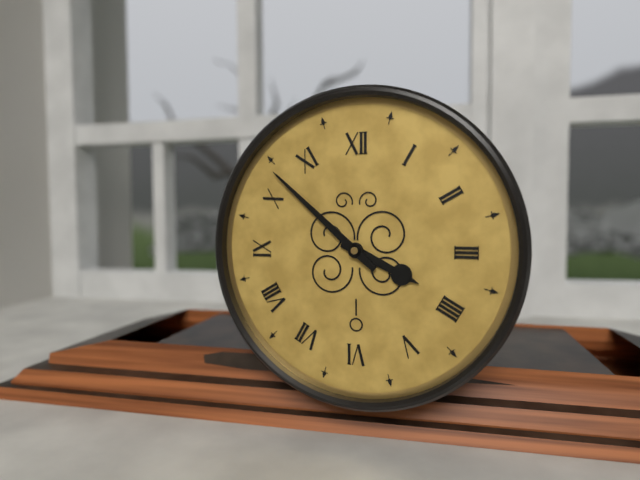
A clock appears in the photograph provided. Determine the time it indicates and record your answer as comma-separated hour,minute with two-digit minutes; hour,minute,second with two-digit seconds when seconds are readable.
3,52
